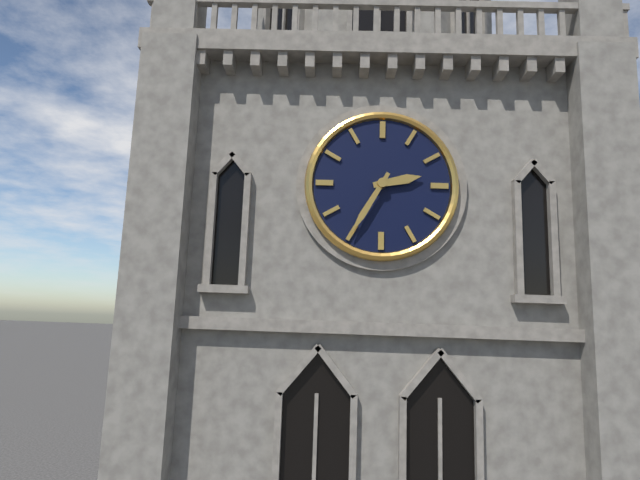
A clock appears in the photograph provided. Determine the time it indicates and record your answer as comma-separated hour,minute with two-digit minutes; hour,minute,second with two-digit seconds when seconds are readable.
2,35
